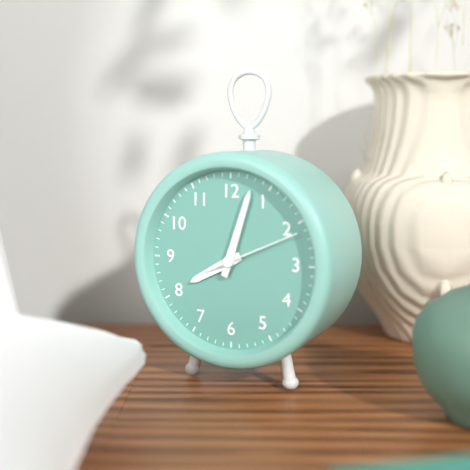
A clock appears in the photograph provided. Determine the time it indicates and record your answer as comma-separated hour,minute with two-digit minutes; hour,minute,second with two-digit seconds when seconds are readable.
8,03,11
